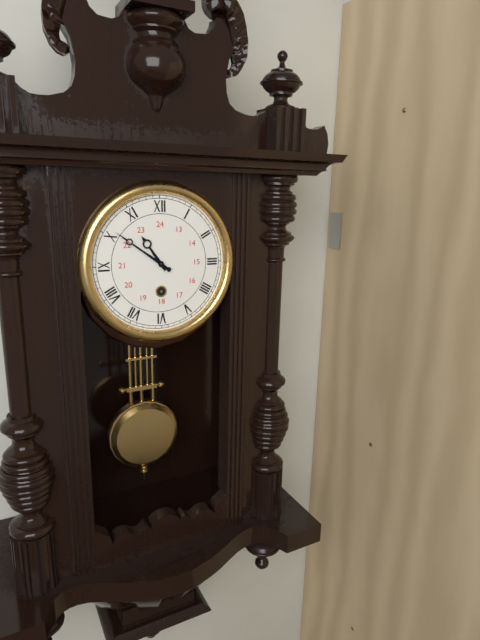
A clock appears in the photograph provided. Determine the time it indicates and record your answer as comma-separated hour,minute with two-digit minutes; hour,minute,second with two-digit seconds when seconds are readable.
10,51
